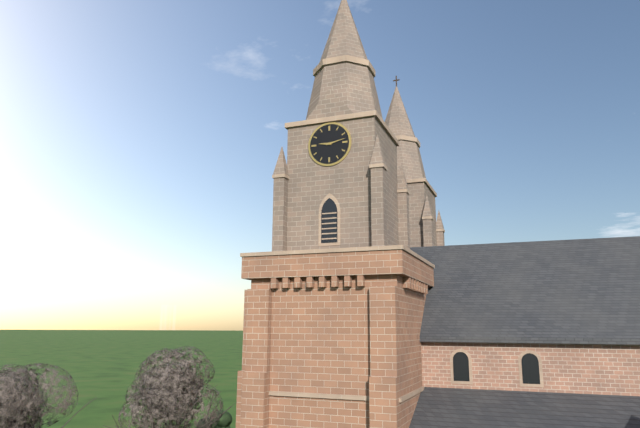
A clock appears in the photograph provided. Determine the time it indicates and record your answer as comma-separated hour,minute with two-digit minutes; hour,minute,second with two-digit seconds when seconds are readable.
9,13
